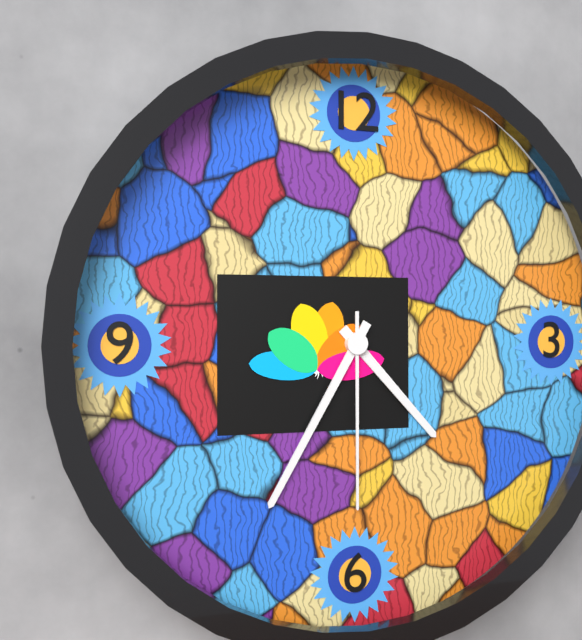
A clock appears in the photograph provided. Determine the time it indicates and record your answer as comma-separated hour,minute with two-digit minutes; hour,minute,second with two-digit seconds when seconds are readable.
4,35,30
